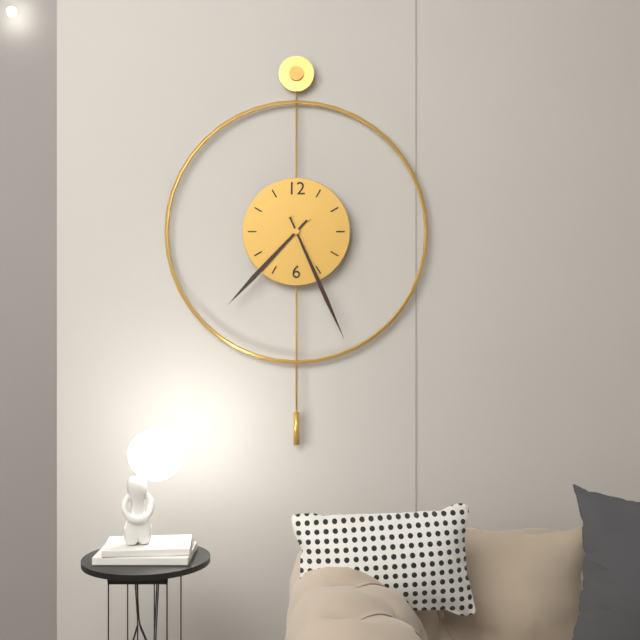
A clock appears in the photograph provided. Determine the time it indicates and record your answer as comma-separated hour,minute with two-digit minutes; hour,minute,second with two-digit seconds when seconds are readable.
7,26
